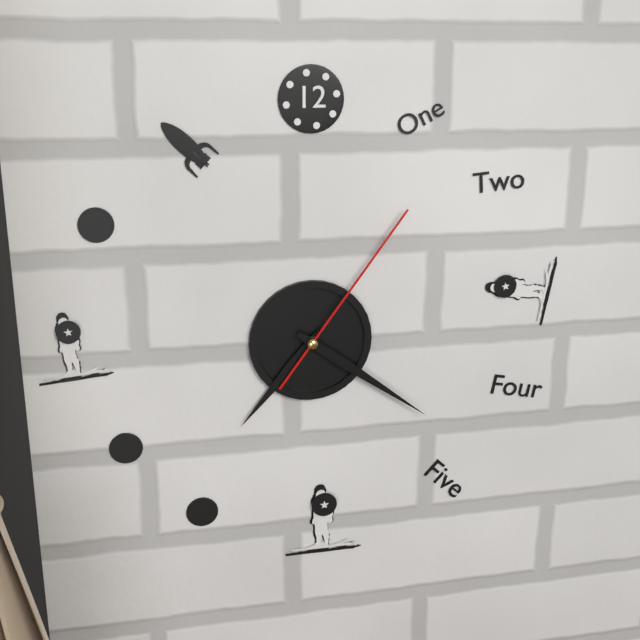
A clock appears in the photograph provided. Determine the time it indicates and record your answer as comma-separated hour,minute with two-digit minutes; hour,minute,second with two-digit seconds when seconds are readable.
7,21,06
